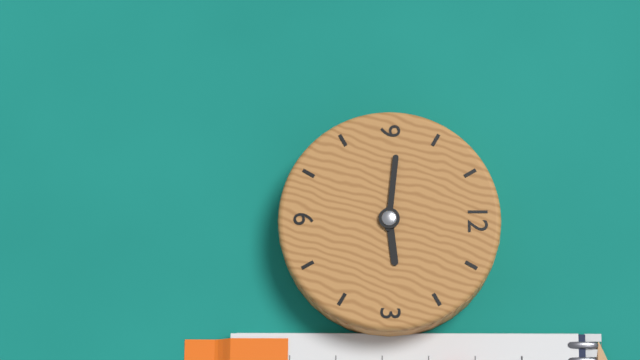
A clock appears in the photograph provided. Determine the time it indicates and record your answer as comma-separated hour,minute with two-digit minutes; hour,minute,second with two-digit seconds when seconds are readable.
2,46
